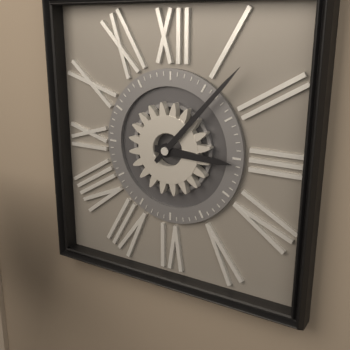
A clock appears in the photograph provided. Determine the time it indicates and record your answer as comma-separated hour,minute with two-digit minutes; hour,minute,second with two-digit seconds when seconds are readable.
3,07
